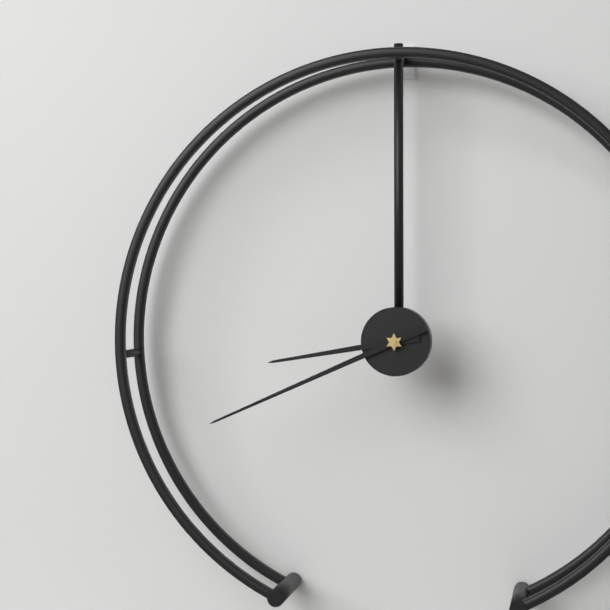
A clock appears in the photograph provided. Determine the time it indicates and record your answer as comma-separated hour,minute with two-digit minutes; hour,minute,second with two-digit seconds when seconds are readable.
8,41
